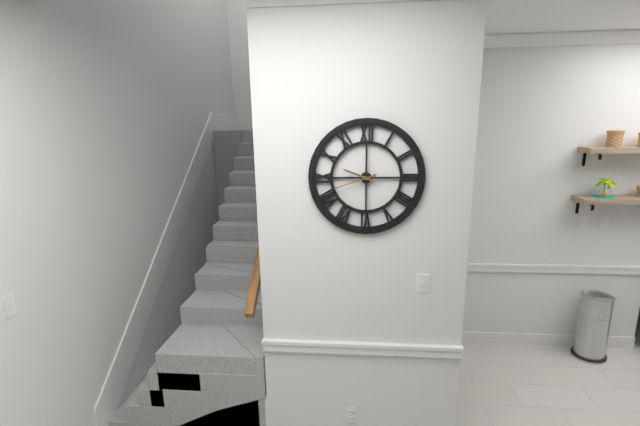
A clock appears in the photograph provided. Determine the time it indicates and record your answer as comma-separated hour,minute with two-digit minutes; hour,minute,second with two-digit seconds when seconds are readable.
9,42
